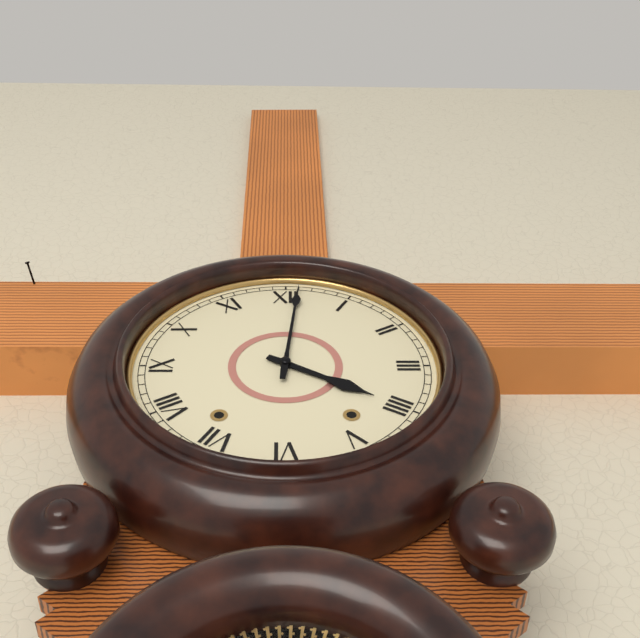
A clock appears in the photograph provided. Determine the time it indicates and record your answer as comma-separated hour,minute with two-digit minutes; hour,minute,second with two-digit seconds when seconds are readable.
4,01
